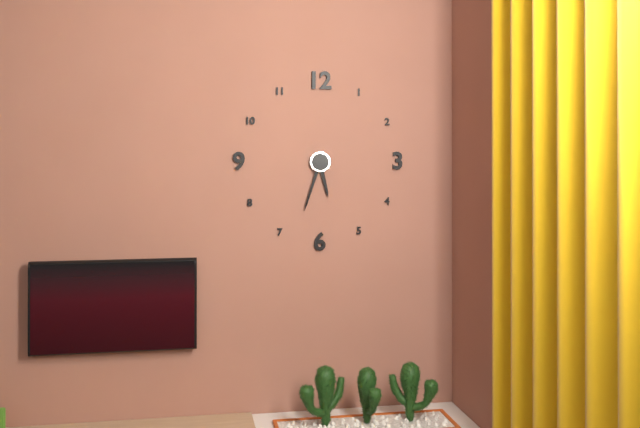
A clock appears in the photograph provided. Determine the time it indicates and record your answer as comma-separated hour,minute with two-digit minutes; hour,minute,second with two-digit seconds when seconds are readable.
5,33
